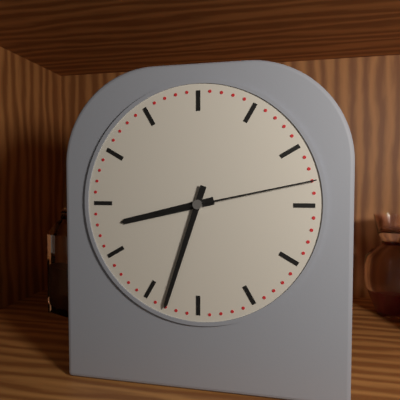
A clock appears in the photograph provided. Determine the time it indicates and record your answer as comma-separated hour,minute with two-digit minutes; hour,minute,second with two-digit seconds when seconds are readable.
8,33,13
